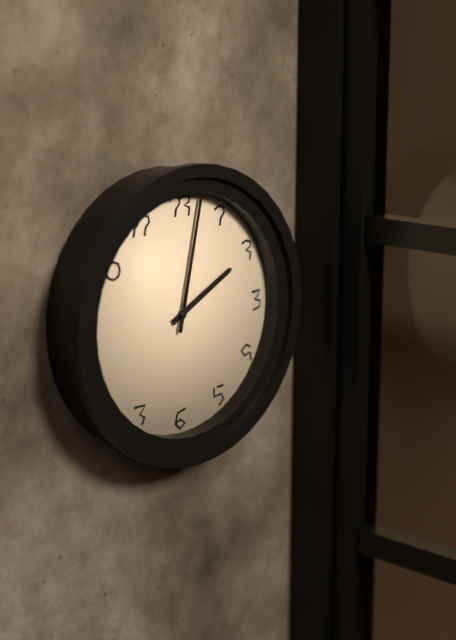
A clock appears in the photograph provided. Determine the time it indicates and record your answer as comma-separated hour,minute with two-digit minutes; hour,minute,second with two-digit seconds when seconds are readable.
2,02
